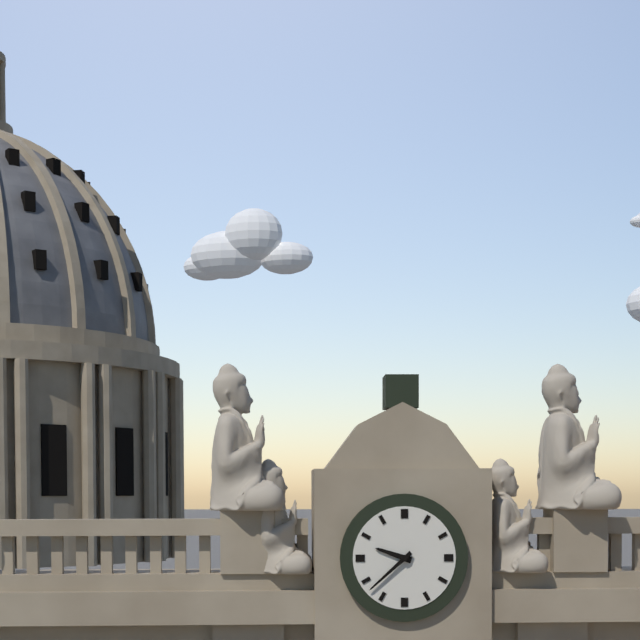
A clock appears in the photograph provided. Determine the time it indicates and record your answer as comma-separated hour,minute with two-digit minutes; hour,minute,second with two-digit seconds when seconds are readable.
9,38
